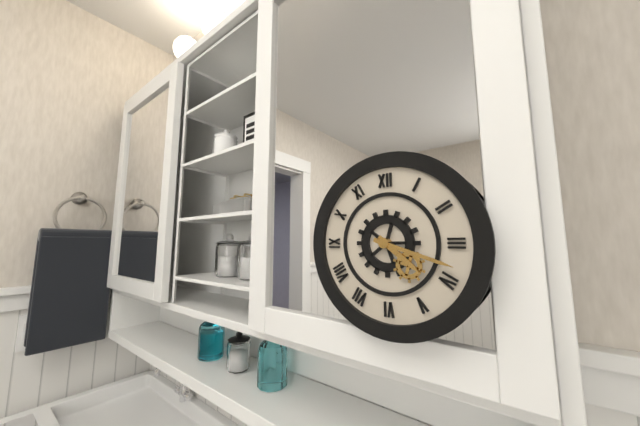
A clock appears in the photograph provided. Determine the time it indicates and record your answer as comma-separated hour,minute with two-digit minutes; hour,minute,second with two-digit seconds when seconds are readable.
4,18
